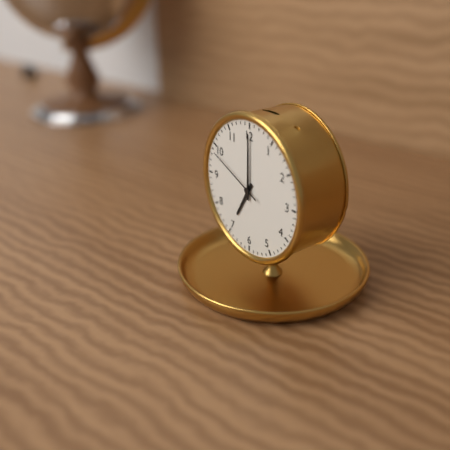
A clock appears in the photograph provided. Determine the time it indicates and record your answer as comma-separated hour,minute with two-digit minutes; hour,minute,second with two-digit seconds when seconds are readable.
7,00,49
